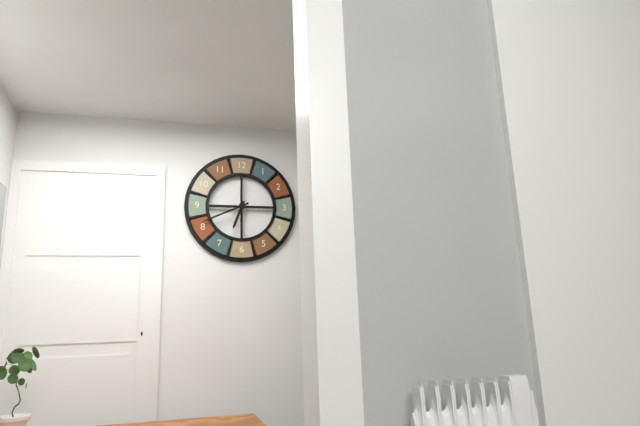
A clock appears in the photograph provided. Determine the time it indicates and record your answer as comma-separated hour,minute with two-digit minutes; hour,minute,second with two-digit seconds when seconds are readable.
6,41
